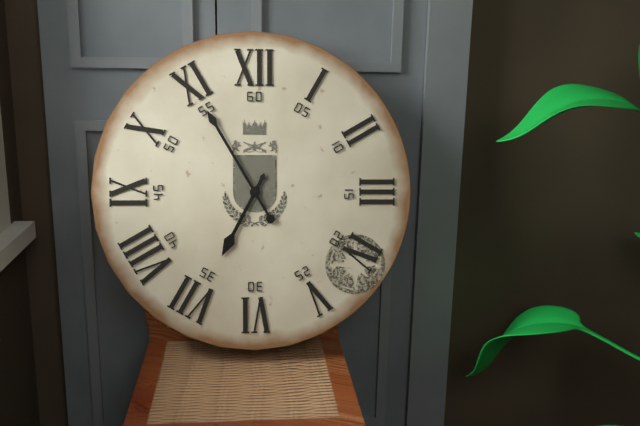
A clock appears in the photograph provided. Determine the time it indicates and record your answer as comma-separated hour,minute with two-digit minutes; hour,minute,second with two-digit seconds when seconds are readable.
6,55
